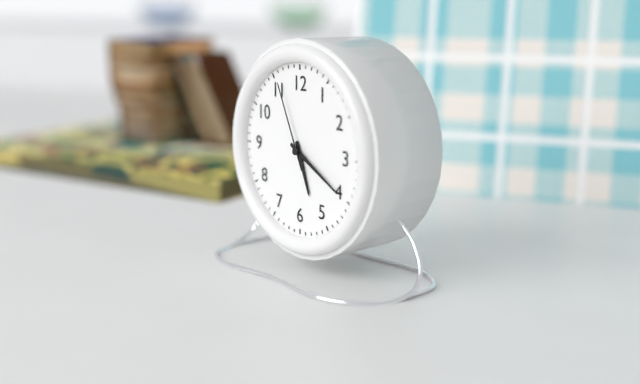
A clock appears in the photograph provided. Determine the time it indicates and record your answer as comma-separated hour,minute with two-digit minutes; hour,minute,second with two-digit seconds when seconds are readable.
5,20,56
